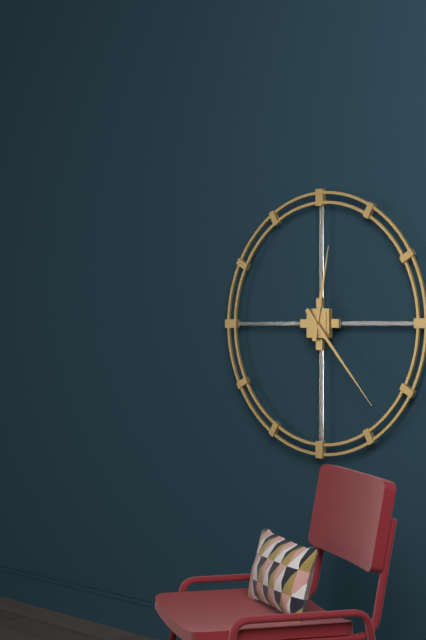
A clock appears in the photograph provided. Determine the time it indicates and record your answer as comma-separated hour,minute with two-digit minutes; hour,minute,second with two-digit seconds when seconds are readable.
12,23
